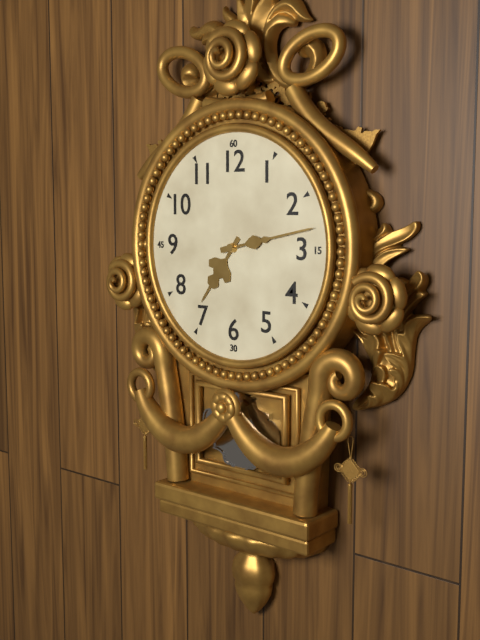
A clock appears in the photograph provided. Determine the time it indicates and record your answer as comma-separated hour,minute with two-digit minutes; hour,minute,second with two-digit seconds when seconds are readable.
7,13
